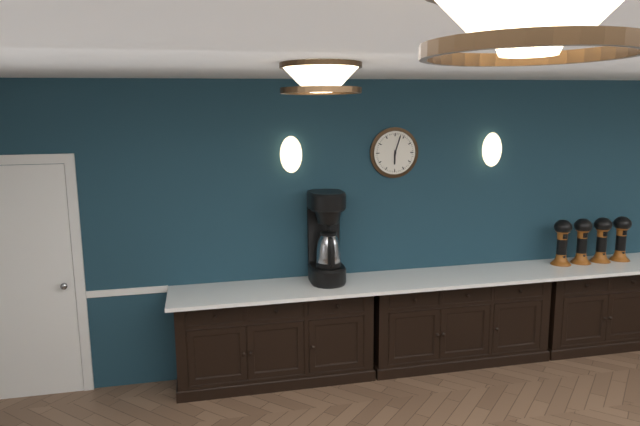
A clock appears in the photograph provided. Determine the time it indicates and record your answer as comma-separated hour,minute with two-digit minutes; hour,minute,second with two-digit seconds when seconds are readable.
6,03
